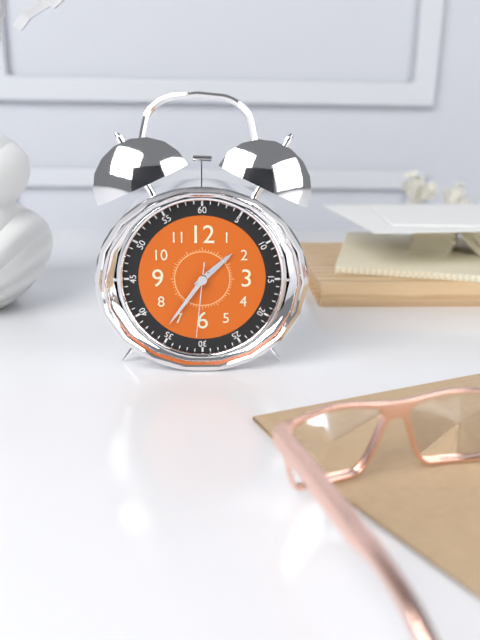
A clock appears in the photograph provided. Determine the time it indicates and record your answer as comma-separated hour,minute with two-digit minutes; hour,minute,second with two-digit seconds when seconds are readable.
1,36,31
